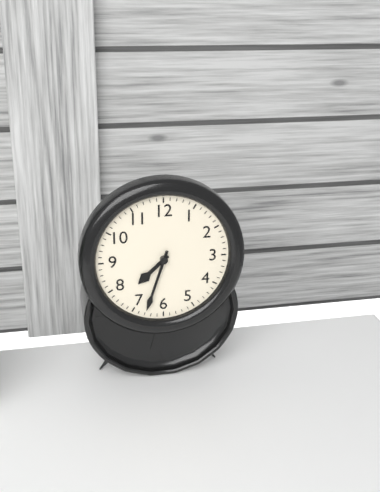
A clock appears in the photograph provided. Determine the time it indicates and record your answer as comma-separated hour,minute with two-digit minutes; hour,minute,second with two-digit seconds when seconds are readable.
7,33
